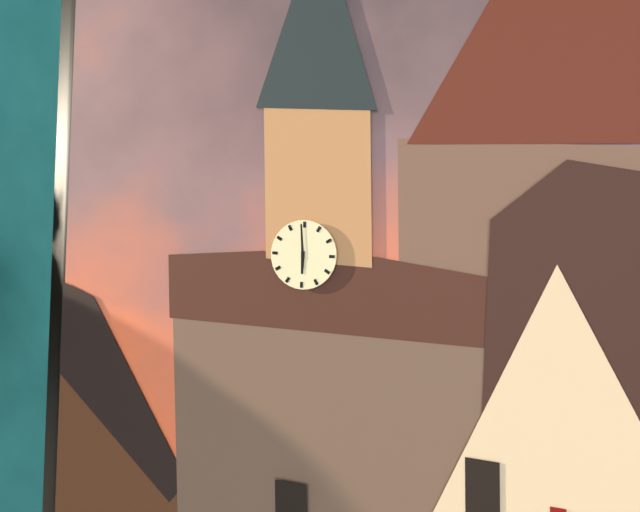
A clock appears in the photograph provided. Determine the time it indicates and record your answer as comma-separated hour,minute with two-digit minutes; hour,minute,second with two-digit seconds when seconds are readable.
5,59
